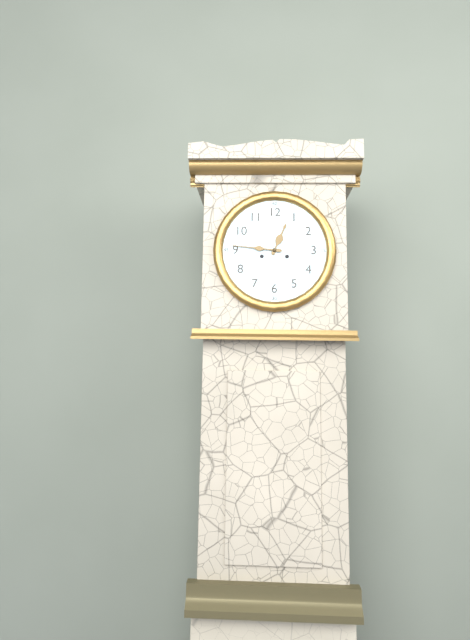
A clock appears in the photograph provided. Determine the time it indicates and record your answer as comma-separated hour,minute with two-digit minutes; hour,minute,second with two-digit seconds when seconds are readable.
12,46
